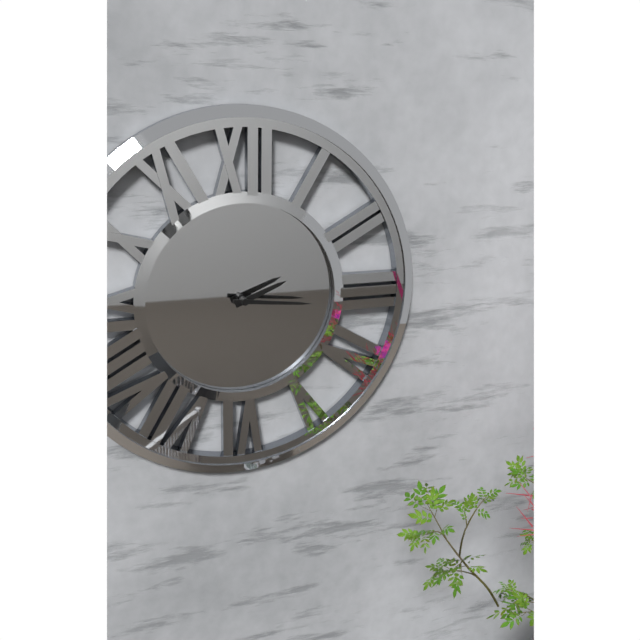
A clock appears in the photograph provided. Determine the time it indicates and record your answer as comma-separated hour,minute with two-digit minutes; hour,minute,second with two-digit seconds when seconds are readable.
2,16
